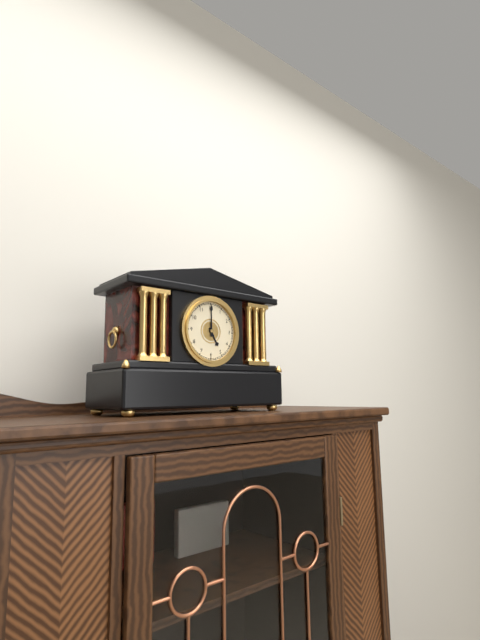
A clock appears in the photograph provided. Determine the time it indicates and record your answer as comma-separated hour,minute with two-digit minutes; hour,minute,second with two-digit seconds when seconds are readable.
5,00
